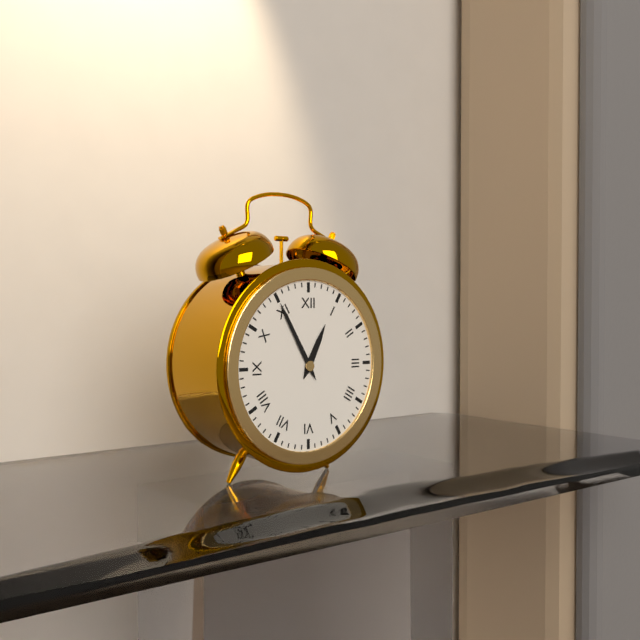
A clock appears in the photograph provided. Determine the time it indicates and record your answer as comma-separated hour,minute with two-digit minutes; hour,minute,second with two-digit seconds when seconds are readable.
12,55
